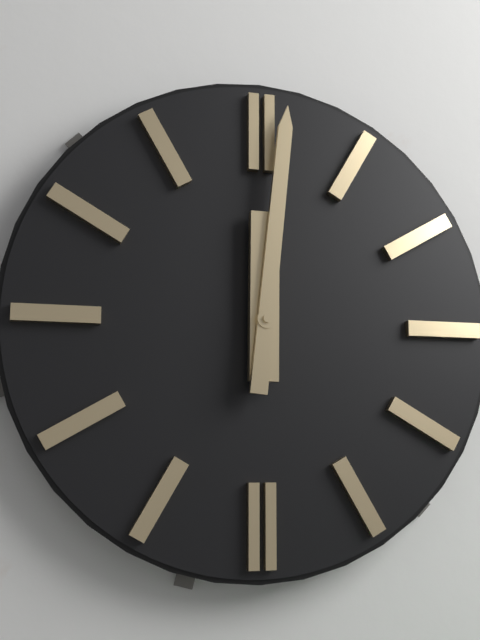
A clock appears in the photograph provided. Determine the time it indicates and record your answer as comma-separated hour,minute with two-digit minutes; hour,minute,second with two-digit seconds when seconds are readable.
12,01
